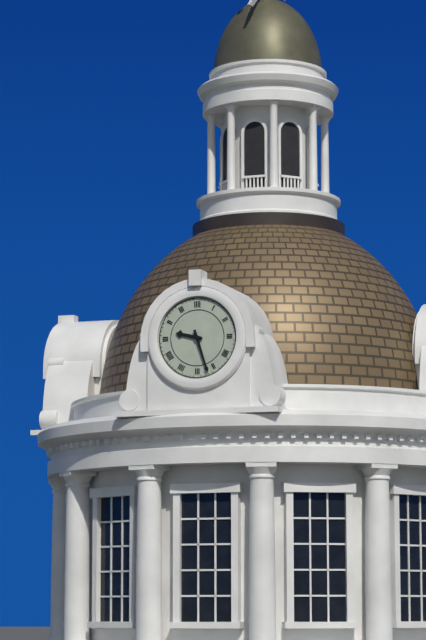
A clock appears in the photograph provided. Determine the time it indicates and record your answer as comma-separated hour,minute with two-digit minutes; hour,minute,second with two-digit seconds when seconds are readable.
9,27
